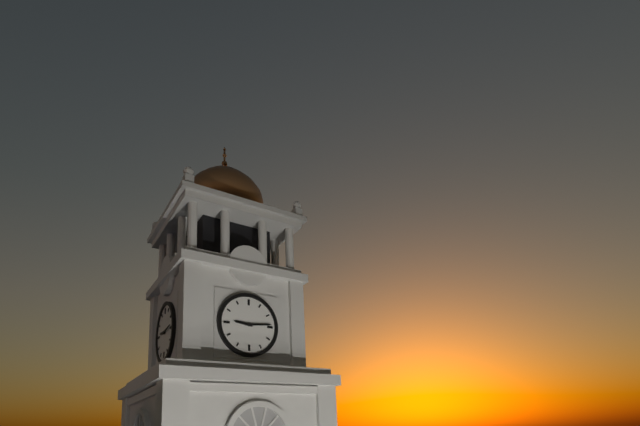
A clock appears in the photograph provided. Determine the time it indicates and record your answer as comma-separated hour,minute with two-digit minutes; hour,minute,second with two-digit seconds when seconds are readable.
9,14
